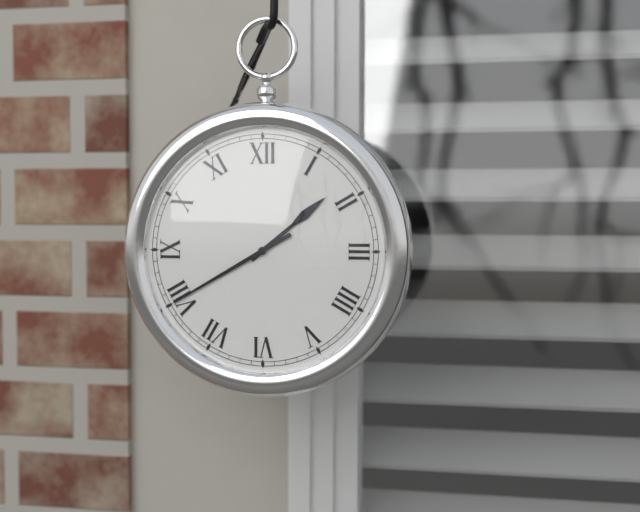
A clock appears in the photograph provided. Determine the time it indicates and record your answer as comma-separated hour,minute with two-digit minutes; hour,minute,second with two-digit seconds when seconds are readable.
1,40
